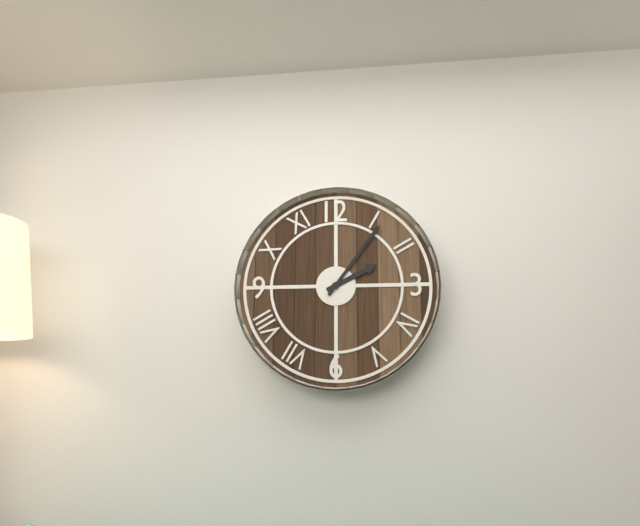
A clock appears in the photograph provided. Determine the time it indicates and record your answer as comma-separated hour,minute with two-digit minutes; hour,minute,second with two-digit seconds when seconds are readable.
2,06
